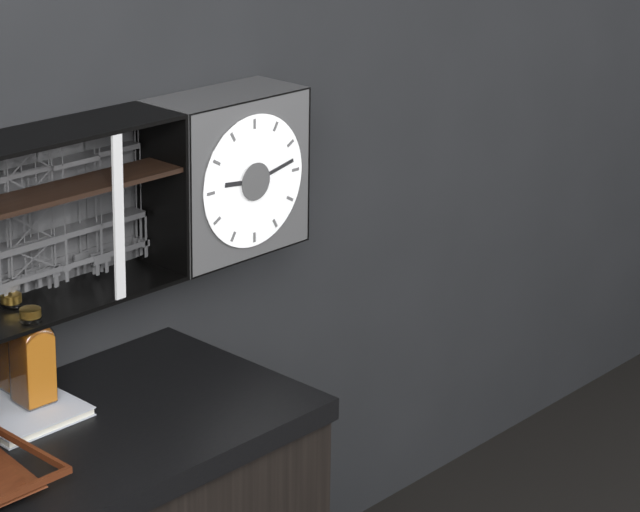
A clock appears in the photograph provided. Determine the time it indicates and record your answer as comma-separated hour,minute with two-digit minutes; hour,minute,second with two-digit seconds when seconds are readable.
9,13
